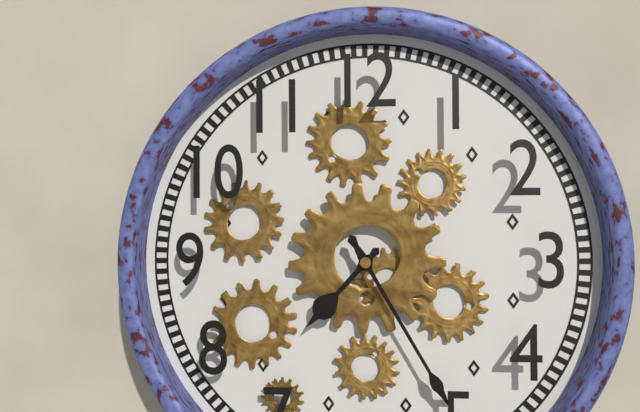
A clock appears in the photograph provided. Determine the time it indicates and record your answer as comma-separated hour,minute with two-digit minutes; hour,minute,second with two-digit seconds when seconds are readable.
7,25
